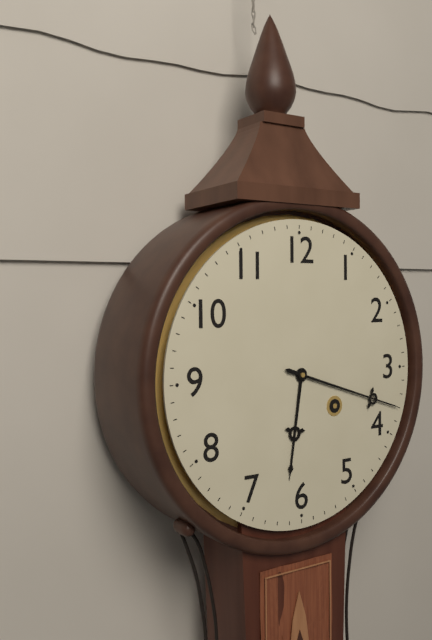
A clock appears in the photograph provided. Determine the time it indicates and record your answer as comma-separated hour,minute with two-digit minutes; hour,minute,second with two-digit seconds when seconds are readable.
6,18
